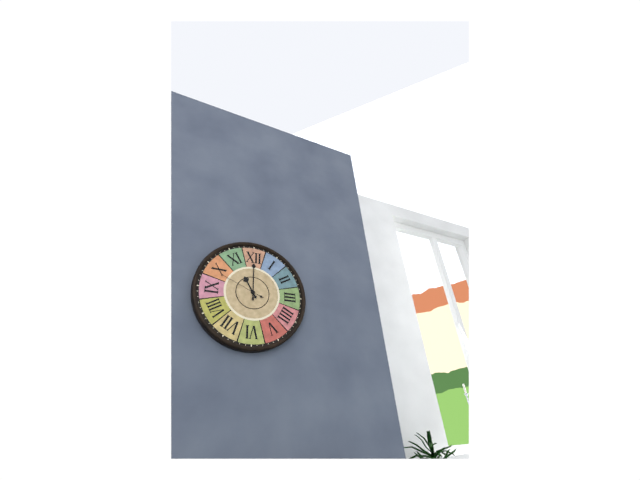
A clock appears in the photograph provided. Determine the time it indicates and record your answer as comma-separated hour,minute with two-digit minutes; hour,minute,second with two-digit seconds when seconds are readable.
11,00
